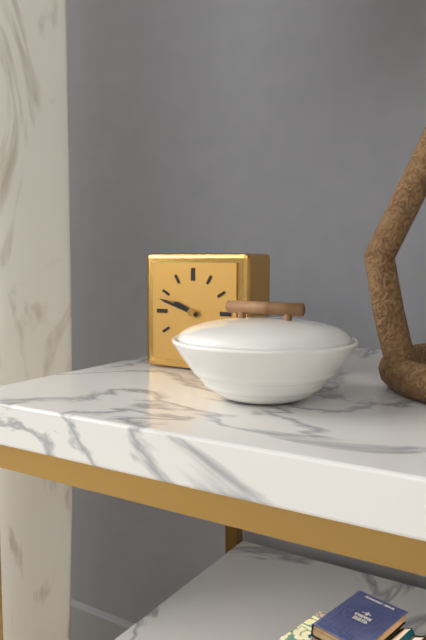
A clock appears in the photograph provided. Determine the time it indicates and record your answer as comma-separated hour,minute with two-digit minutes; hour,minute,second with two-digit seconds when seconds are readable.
9,48
